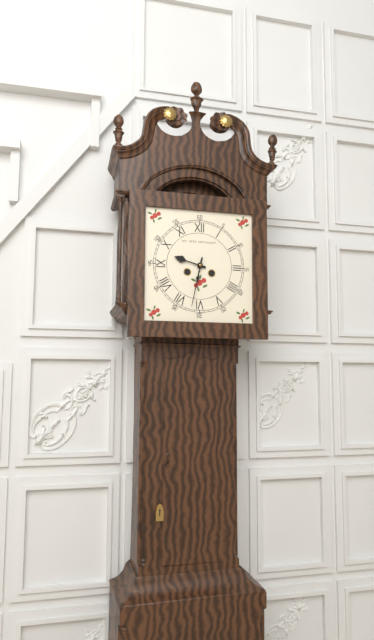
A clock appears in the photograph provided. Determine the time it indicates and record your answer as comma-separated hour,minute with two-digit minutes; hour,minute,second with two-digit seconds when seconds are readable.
9,32
